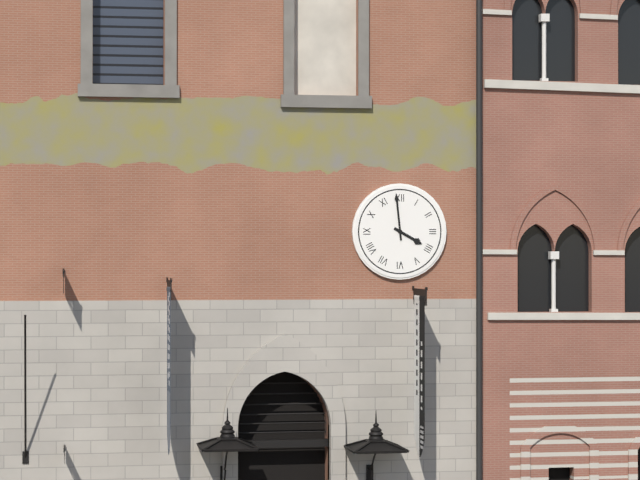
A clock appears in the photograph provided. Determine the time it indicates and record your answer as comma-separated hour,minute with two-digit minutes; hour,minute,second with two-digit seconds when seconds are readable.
3,59
